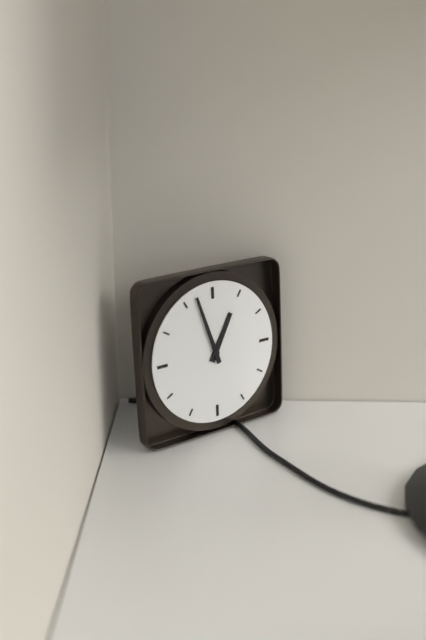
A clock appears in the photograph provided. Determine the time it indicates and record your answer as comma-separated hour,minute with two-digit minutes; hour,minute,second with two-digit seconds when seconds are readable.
12,57
